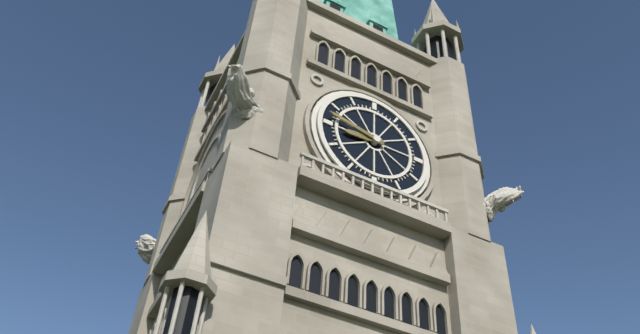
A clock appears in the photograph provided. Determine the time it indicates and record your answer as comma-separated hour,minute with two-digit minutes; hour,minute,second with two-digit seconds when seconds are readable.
8,47
